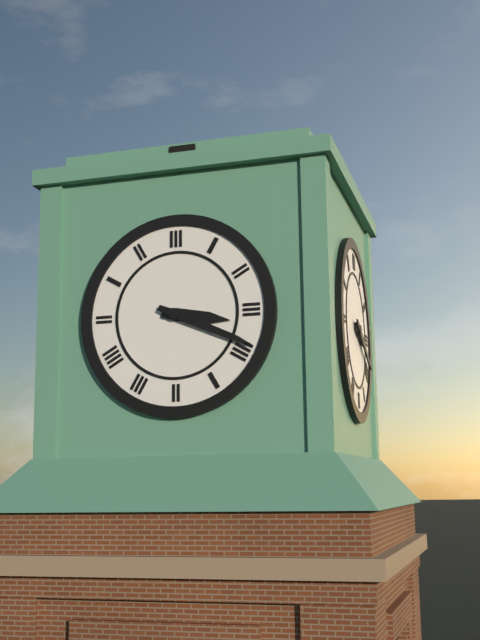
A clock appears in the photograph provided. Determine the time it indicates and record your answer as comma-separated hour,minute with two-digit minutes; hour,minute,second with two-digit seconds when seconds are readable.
3,19
